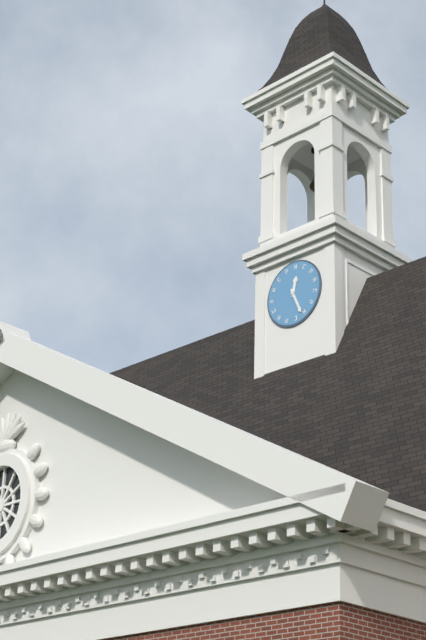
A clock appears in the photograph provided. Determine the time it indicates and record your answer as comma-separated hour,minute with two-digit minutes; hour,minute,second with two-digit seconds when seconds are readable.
12,26
